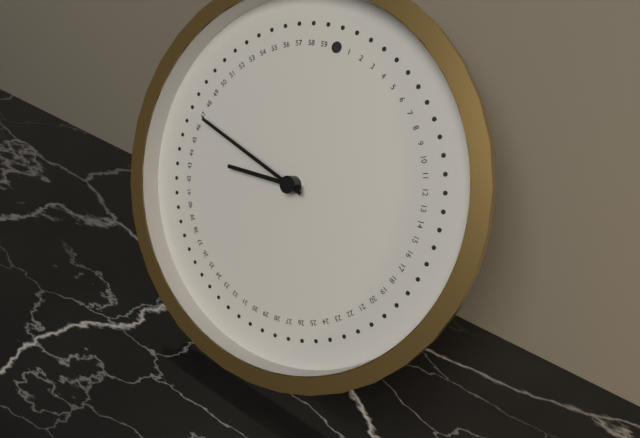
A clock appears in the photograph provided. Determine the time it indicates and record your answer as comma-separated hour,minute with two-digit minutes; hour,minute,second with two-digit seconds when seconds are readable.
8,47
